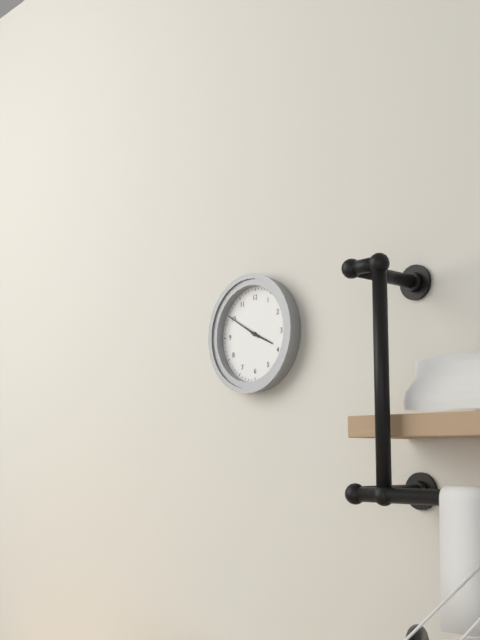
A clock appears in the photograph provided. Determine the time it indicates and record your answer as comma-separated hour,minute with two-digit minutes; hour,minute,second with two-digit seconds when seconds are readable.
3,50
